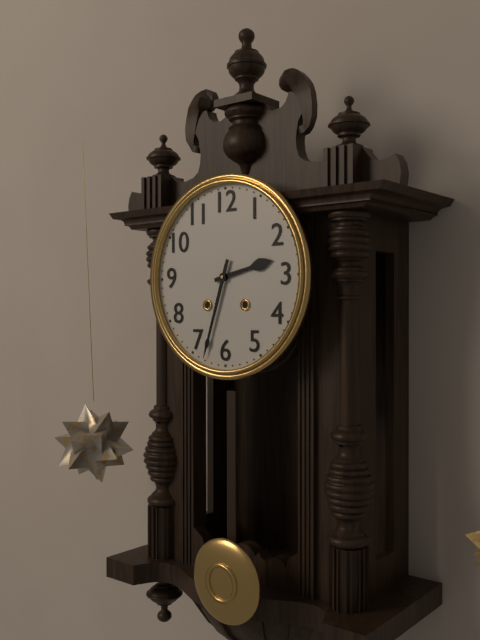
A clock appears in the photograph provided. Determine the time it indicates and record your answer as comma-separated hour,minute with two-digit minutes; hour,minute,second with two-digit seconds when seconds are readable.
2,33
